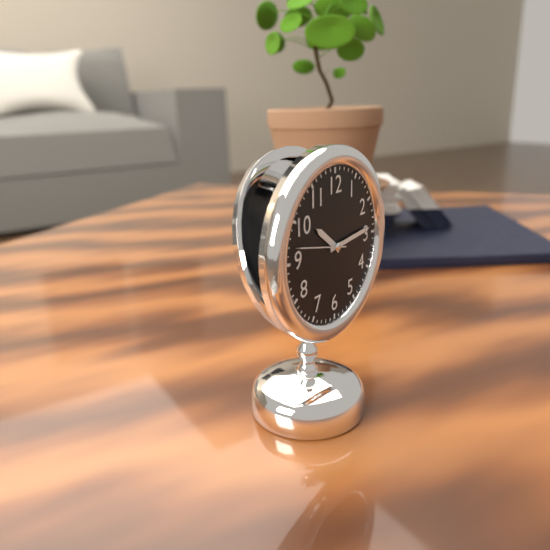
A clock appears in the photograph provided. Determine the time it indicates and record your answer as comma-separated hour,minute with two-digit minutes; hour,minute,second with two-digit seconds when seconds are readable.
10,14,47
